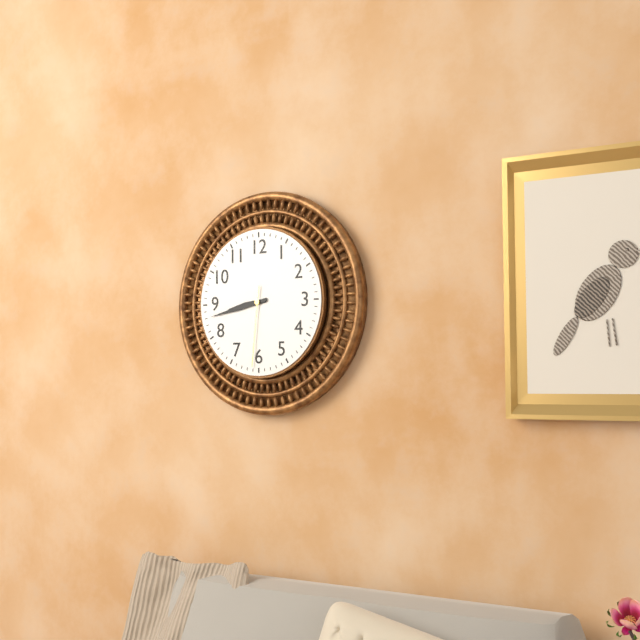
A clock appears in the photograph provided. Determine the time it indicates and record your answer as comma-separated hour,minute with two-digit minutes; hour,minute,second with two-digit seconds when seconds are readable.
8,43,31
